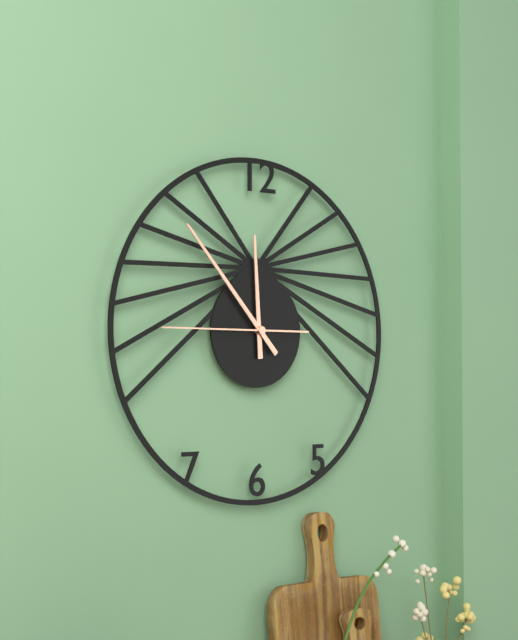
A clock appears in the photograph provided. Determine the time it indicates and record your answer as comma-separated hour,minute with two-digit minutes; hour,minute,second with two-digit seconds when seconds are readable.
11,53,45
